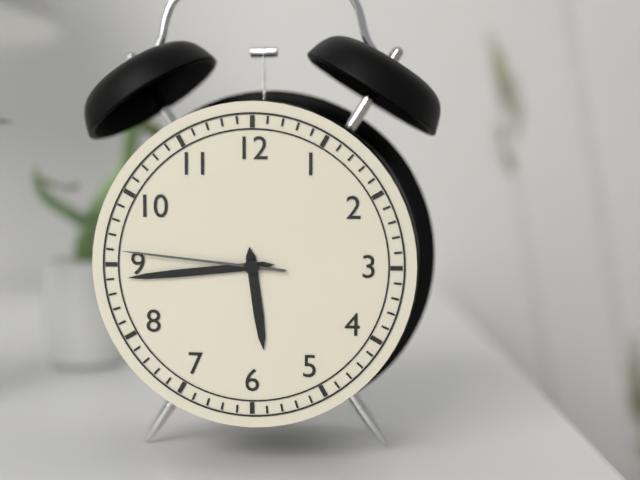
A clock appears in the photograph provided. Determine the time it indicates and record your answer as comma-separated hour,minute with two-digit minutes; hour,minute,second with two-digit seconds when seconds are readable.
5,44,46
